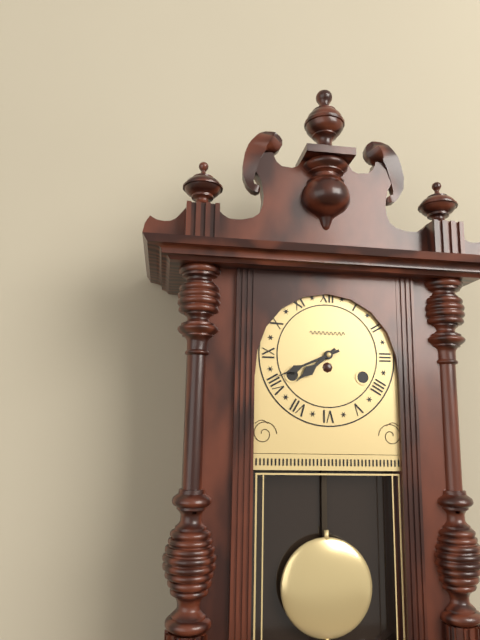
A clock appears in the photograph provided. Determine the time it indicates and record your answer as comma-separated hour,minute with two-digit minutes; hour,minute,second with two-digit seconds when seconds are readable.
7,41
